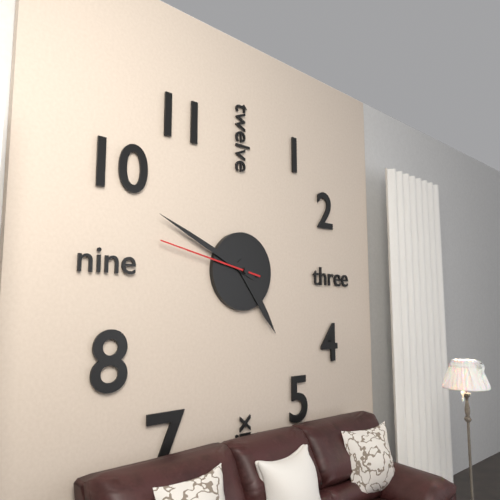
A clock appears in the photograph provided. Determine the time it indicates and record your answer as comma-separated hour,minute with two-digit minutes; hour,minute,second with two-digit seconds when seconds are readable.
4,49,47
